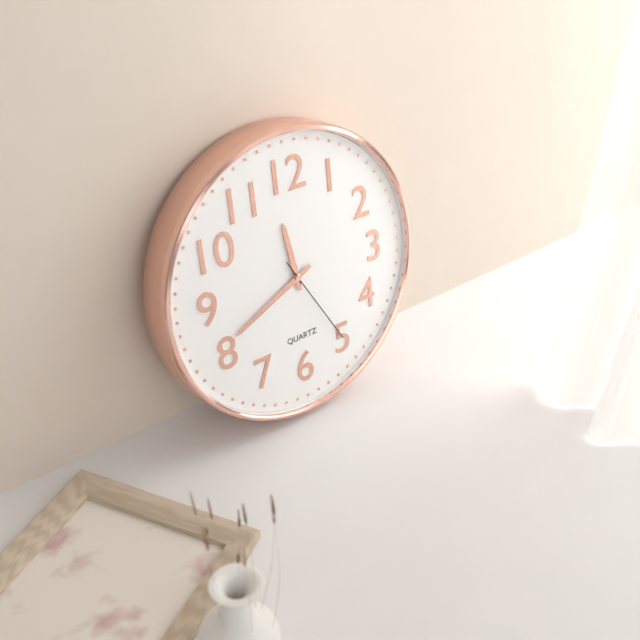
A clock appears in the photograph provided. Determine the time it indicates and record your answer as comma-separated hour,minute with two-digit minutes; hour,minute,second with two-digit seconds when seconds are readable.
11,41,25
